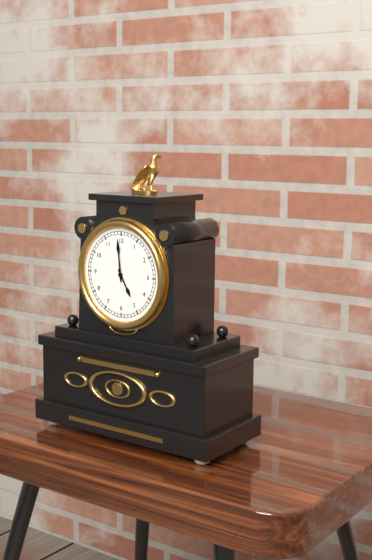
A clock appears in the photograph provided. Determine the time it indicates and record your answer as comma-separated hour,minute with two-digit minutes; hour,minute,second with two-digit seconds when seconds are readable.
4,59
